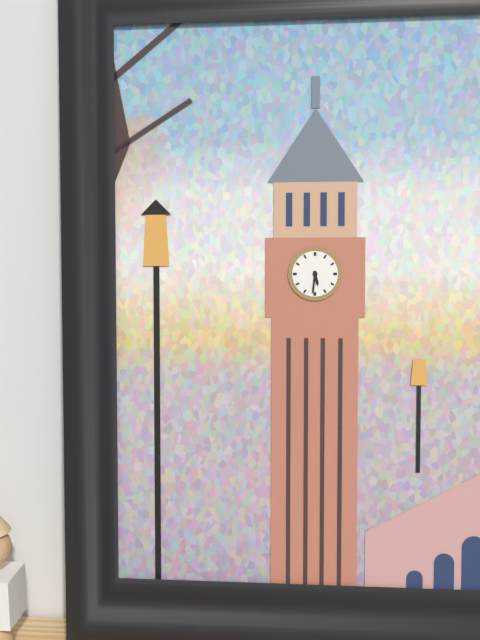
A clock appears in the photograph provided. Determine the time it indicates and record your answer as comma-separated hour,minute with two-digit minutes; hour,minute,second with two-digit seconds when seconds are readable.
5,31
